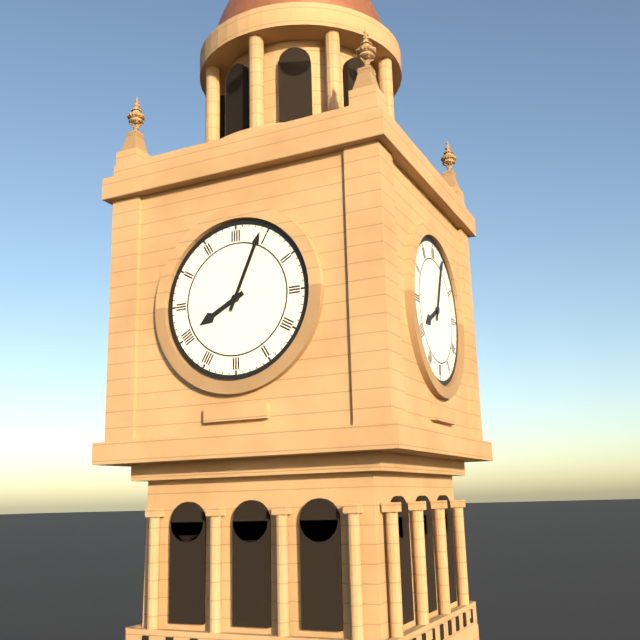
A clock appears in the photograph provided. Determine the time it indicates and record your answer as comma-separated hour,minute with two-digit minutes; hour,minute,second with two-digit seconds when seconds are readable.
8,04
